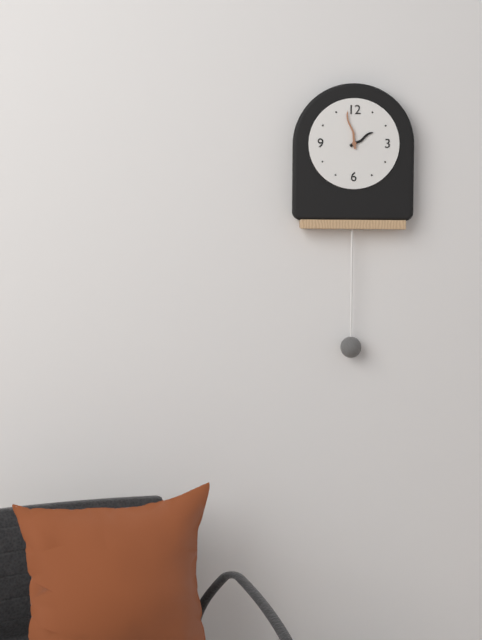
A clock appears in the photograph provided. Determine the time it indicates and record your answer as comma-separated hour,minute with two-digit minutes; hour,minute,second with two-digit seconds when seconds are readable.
1,58
